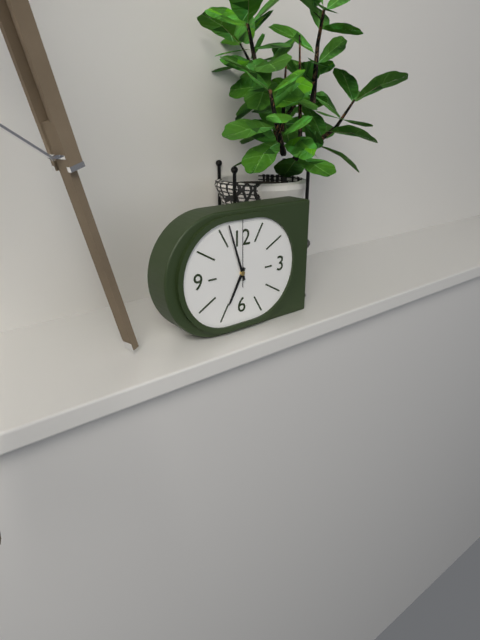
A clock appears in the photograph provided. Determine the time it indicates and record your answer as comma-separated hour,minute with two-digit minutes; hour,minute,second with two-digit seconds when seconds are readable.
6,57,00
